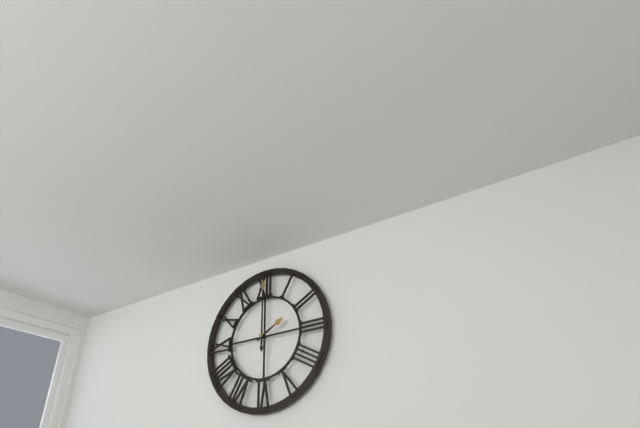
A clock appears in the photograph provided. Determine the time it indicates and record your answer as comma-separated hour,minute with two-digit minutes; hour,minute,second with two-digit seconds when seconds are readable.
2,00
